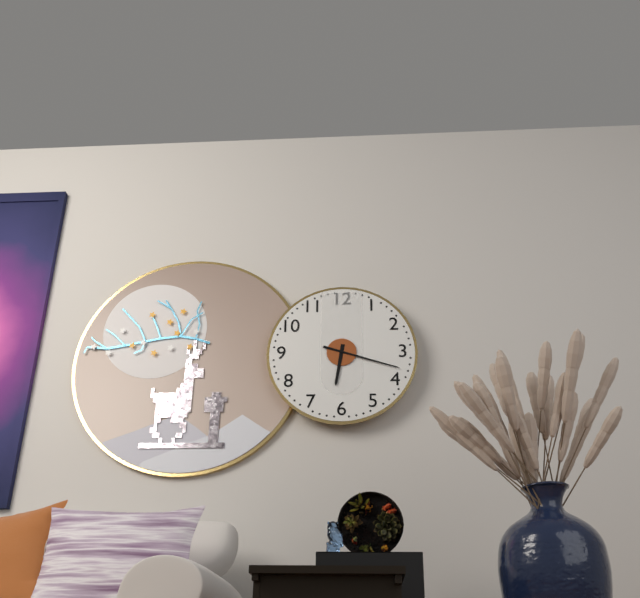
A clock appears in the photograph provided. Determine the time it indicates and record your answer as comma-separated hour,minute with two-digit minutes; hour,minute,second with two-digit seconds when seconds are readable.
6,18
